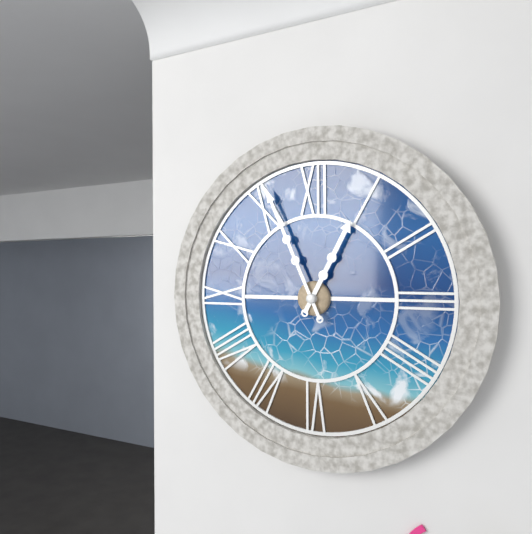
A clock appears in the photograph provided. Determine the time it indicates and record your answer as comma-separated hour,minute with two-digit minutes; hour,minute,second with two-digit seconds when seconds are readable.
12,56
